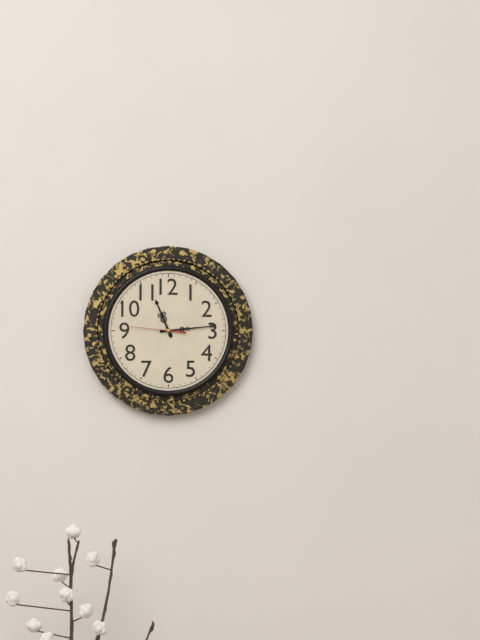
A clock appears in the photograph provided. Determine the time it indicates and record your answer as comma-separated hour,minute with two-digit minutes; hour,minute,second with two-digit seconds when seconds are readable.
11,14,46
